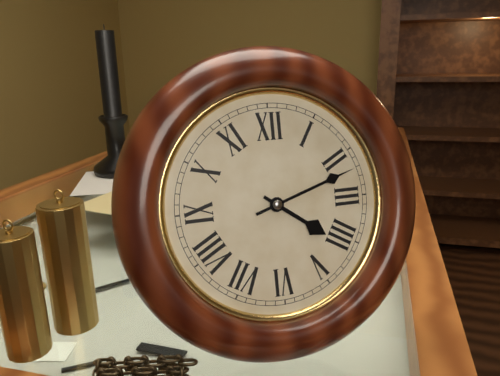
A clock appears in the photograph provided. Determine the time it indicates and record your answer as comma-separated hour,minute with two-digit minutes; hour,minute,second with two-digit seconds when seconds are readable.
4,12
